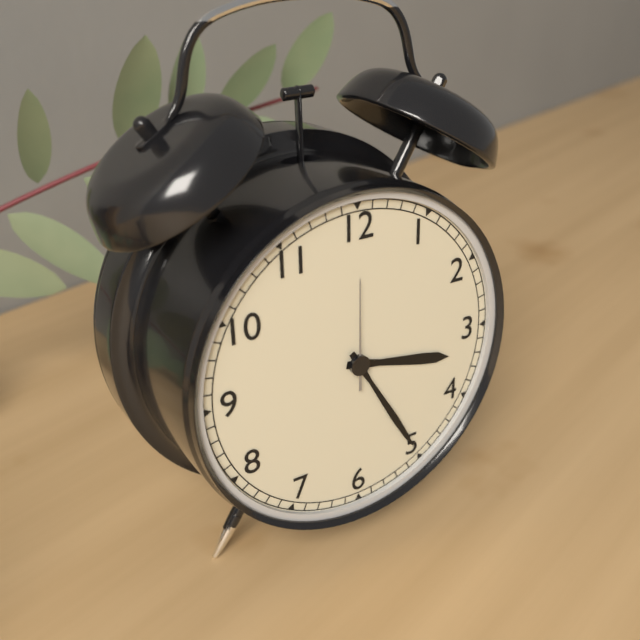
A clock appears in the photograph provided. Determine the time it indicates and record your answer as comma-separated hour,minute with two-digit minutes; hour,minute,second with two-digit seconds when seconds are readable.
3,25,00
